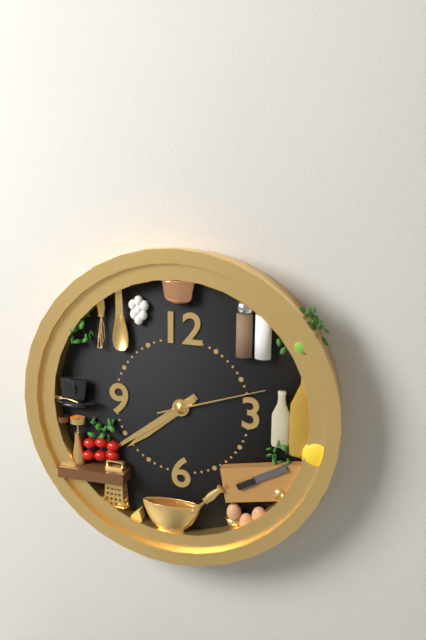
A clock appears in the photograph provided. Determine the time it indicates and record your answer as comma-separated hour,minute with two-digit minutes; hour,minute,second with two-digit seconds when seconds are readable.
7,39,12
